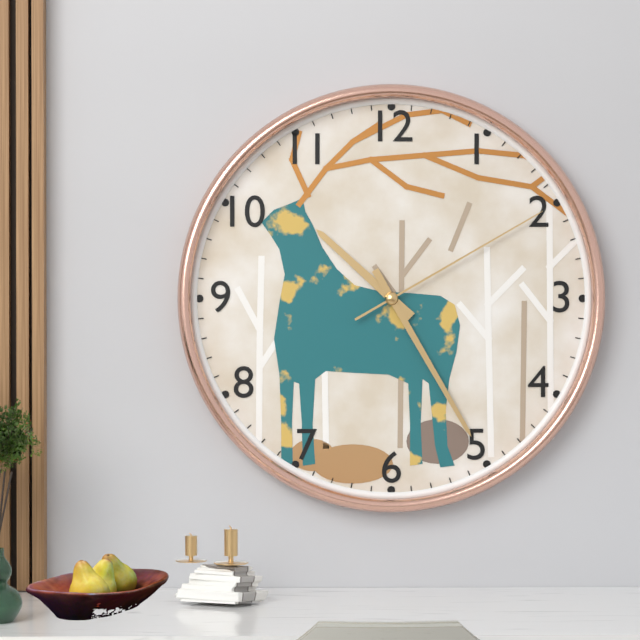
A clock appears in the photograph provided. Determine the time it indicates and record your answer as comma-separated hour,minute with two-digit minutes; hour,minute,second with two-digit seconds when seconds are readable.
10,25,10
